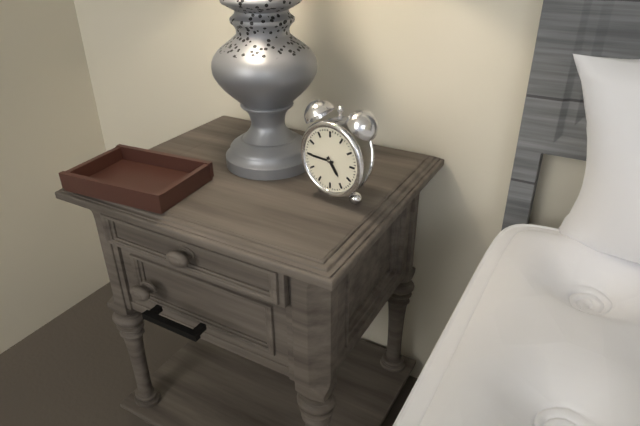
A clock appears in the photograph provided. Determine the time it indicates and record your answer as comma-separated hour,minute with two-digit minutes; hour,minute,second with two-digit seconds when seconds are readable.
4,45
